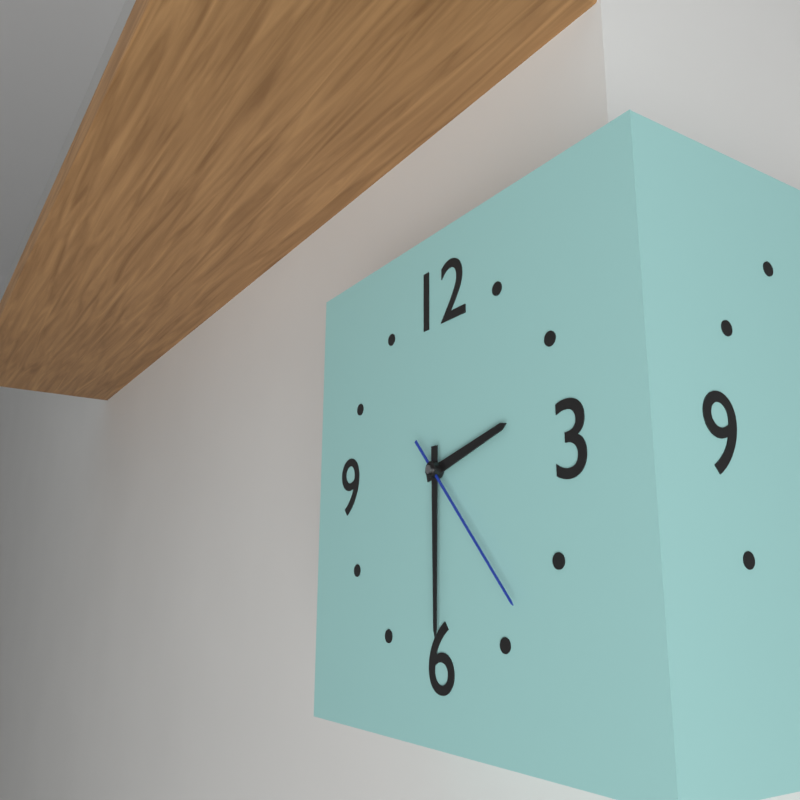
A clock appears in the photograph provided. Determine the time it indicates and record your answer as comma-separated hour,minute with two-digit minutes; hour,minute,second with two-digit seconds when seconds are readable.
2,30,23
